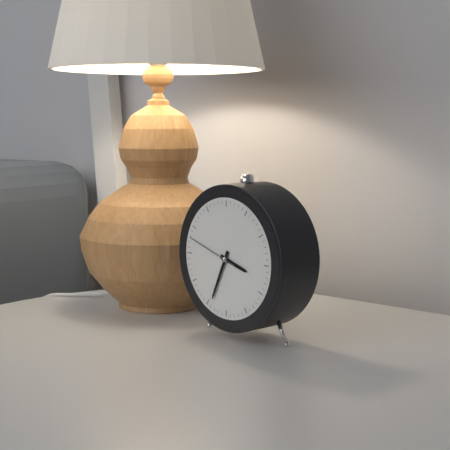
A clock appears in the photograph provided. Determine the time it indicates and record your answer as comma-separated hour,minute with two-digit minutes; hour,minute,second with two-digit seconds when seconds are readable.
3,34,48
